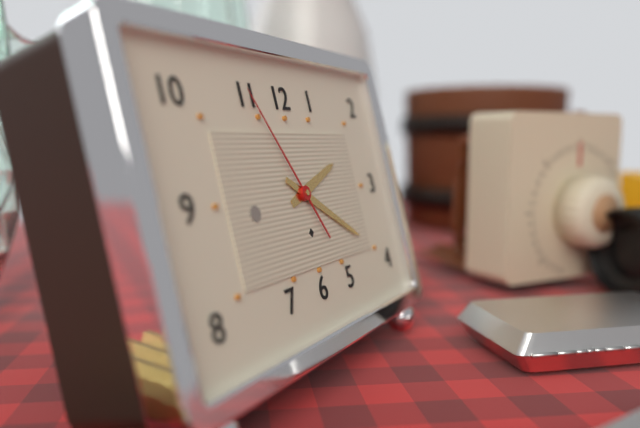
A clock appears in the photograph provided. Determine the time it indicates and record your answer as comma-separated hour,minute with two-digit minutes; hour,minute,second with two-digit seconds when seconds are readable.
2,20,55
